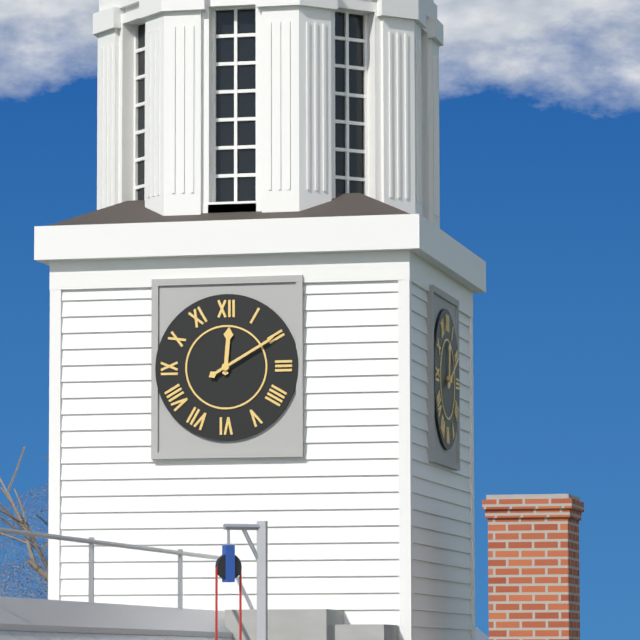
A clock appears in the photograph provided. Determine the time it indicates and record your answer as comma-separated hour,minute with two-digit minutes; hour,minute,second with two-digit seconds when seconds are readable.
12,10
